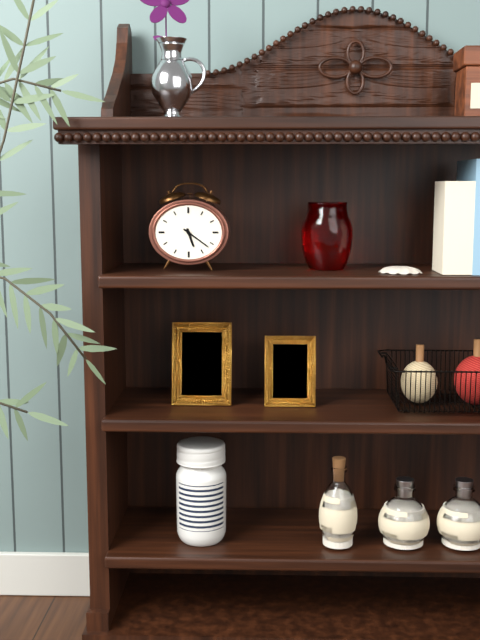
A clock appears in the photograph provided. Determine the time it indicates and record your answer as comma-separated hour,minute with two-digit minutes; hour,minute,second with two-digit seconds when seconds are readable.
5,21
